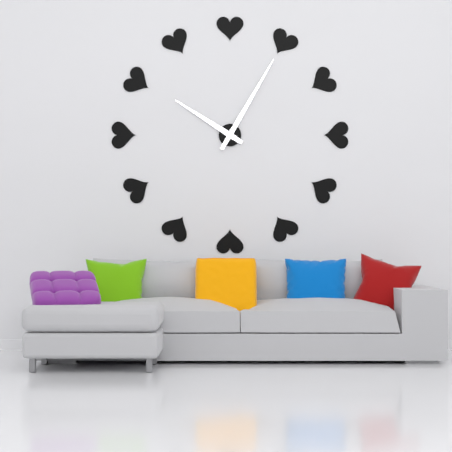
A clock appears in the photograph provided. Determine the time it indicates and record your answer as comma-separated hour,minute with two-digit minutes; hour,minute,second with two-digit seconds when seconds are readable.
10,05
